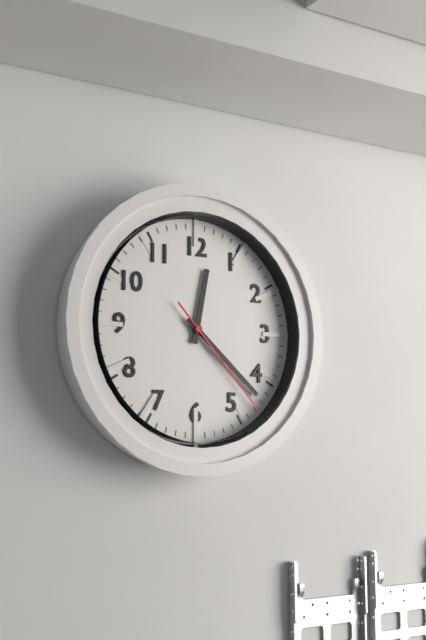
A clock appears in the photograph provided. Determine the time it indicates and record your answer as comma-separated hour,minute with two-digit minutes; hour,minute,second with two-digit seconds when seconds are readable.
12,22,23
